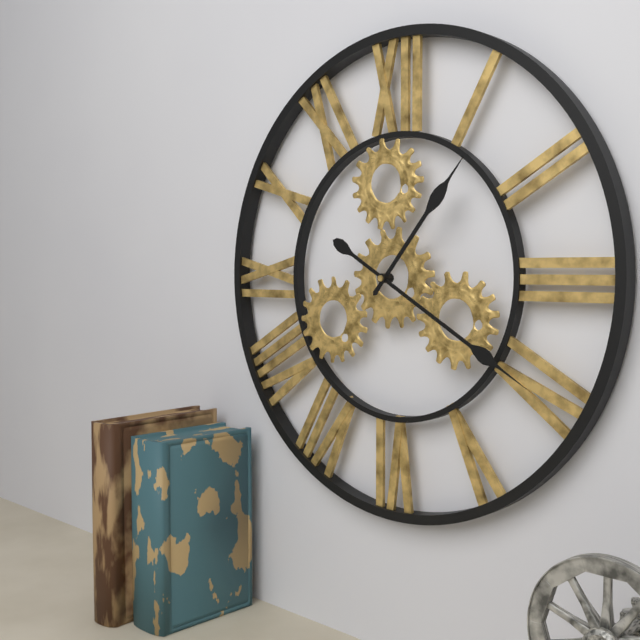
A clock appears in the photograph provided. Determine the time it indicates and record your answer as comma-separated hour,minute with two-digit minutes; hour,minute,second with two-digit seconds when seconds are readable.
1,20
